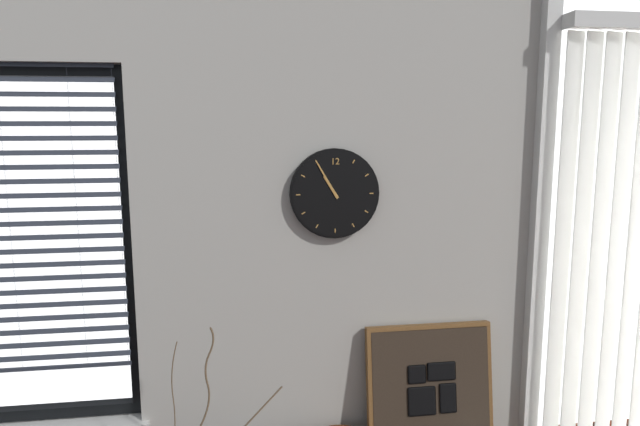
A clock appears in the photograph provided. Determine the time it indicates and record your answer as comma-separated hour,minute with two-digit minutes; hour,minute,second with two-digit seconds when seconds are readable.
10,55
